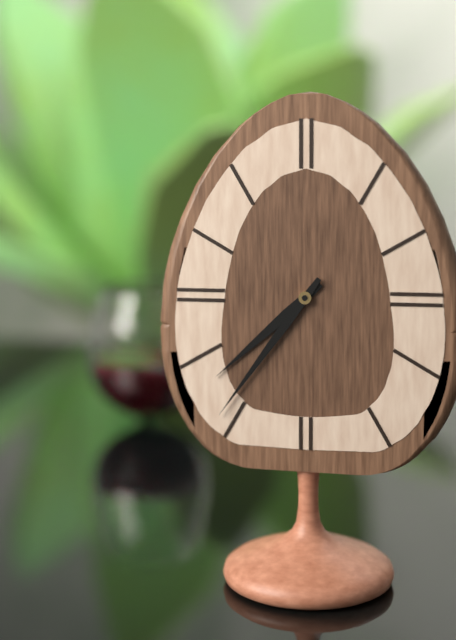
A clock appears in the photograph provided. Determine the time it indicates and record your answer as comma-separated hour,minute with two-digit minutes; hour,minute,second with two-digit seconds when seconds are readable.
7,36
